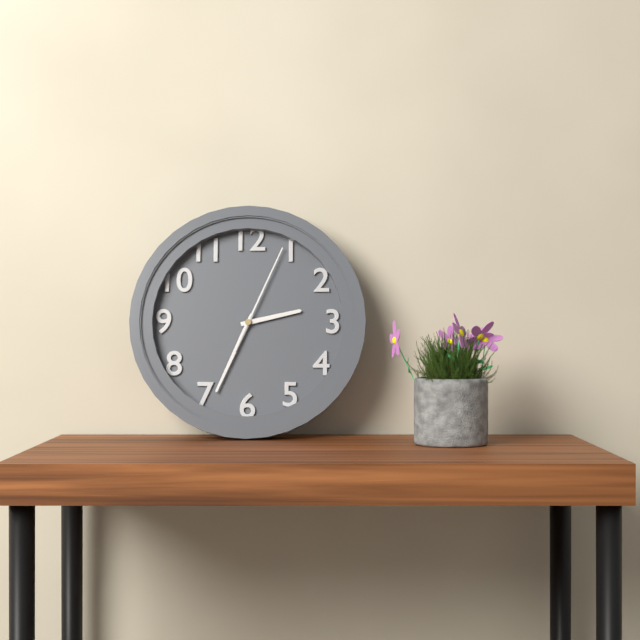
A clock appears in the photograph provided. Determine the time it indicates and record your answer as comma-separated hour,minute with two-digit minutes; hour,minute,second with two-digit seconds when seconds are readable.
2,34,04
